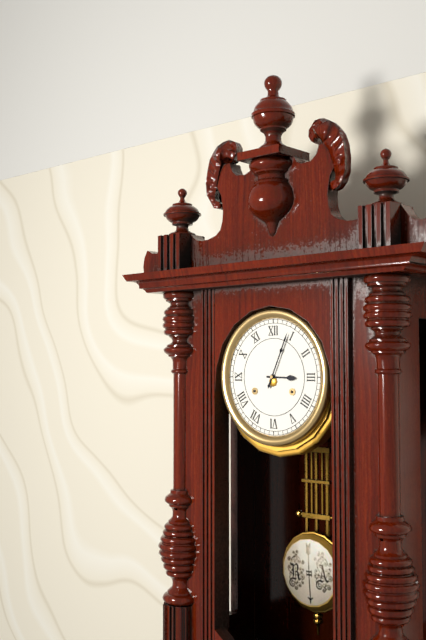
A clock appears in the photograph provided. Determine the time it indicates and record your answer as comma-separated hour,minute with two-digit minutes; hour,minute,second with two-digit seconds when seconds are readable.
3,04
